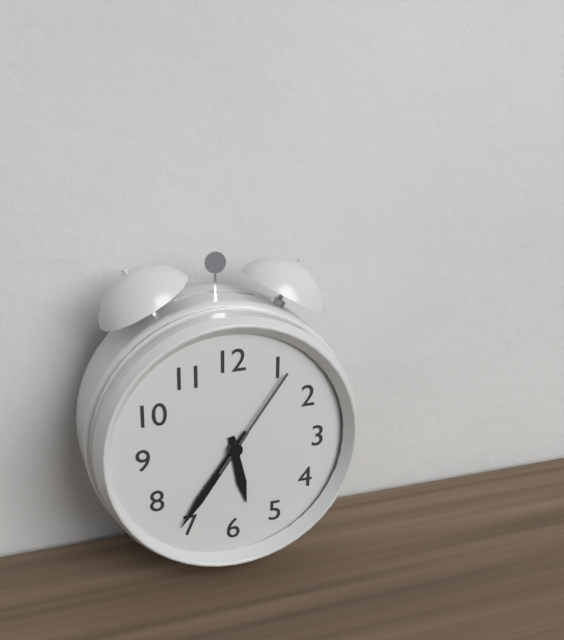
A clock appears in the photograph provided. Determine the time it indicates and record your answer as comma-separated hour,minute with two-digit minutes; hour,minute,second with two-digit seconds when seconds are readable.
5,36,06
